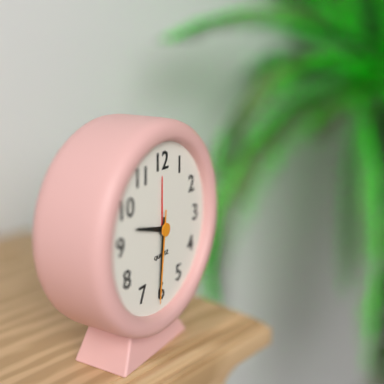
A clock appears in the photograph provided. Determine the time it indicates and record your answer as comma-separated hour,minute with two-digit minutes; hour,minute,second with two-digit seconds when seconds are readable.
9,31,31
